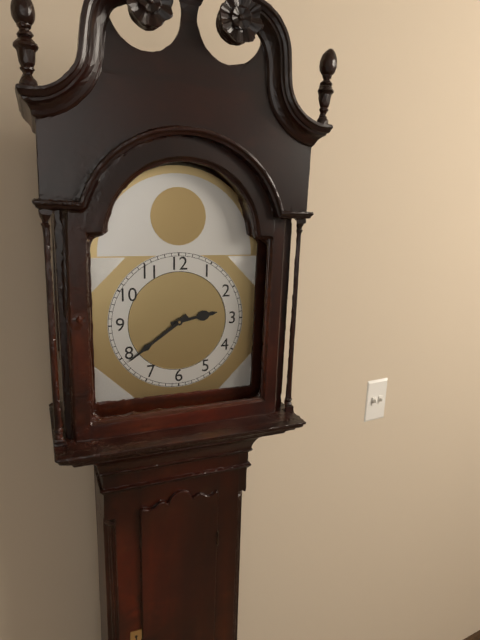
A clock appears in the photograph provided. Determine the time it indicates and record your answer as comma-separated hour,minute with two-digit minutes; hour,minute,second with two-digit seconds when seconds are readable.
2,39
